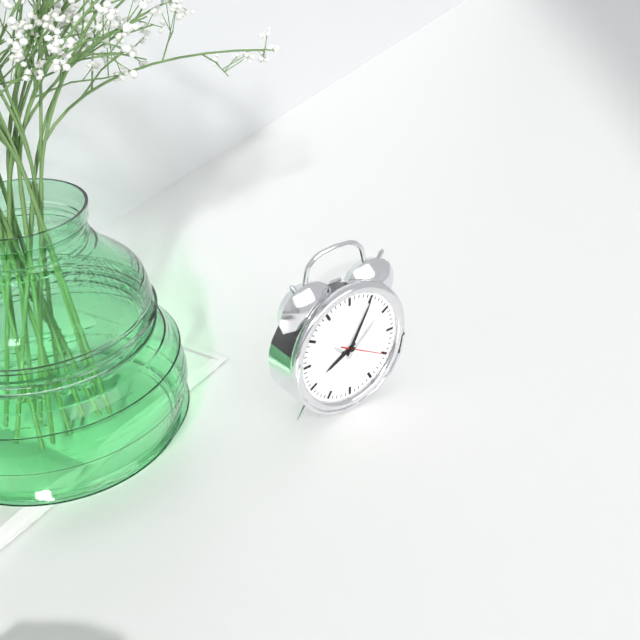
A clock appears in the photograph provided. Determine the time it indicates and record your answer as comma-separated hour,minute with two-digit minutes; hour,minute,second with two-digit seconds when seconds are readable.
8,05
